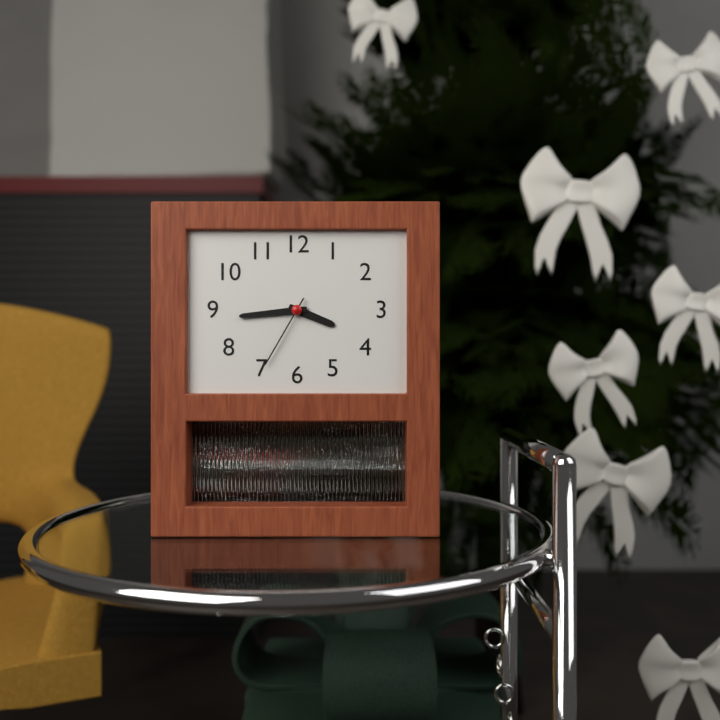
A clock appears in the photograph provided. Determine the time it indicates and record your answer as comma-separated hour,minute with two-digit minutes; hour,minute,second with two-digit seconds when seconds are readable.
3,44,35
